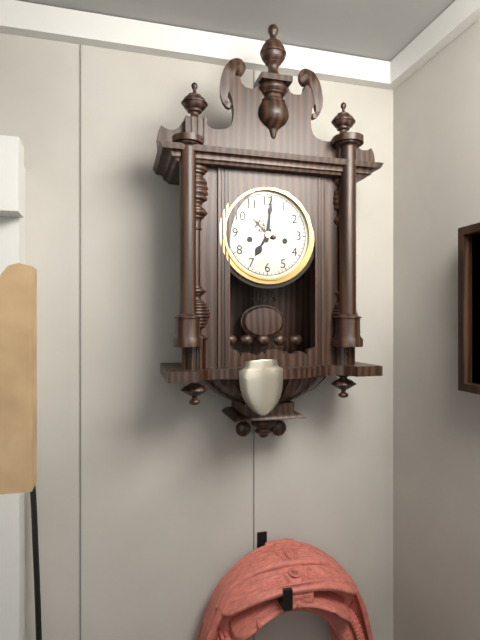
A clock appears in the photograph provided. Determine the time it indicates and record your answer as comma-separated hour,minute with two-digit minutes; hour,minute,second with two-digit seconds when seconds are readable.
7,01
